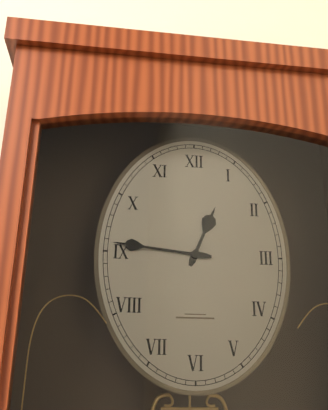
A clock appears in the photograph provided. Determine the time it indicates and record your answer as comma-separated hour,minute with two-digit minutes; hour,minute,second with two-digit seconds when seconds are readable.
12,46
